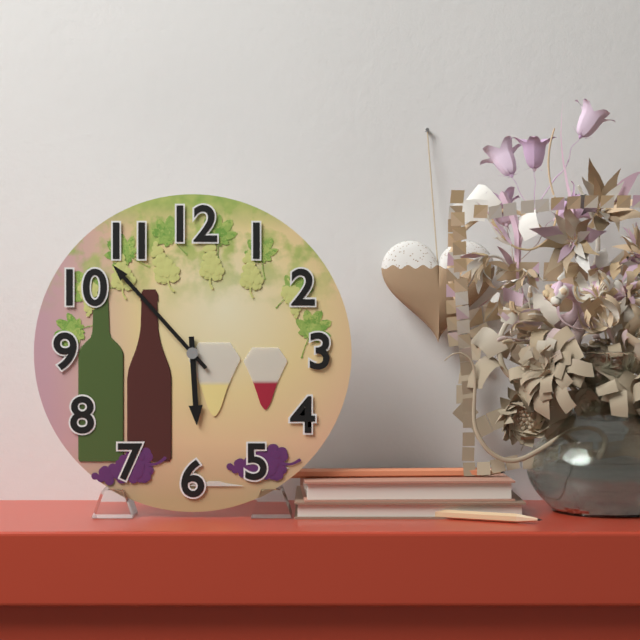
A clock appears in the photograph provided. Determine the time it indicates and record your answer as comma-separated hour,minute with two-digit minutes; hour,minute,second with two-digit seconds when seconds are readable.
5,53
